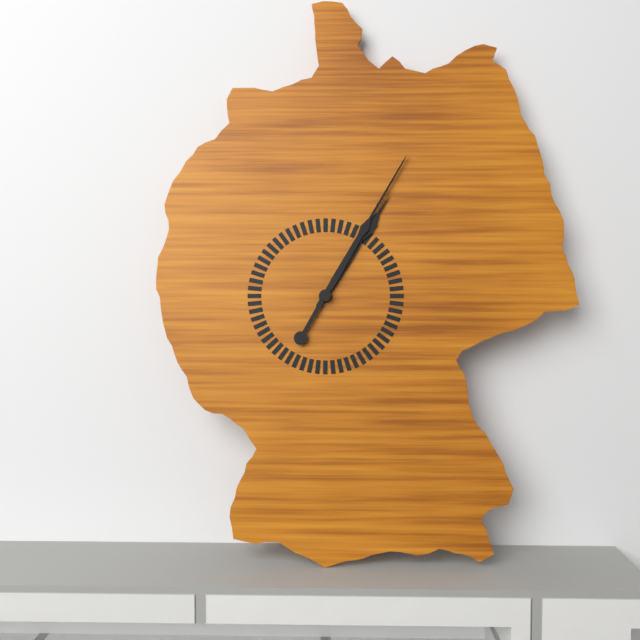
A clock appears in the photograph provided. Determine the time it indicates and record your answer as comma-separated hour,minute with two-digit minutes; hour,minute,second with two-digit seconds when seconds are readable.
1,05
